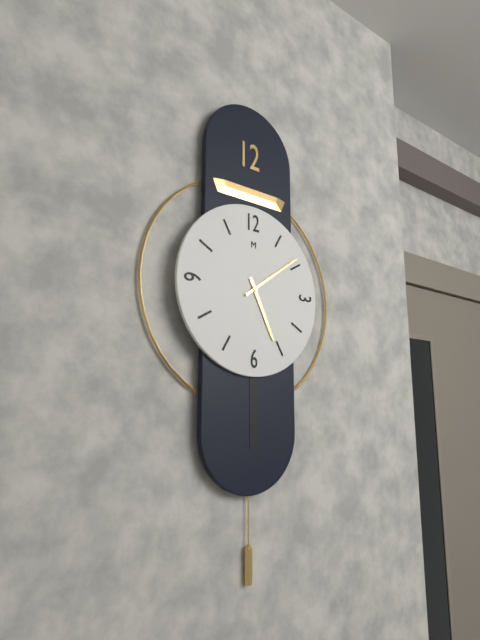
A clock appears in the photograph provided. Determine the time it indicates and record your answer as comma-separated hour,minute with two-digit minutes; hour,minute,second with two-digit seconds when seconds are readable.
5,09
